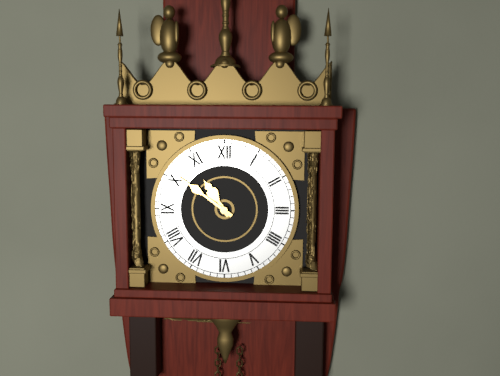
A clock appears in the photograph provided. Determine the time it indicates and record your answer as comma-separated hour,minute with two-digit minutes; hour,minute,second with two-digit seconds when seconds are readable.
10,51
